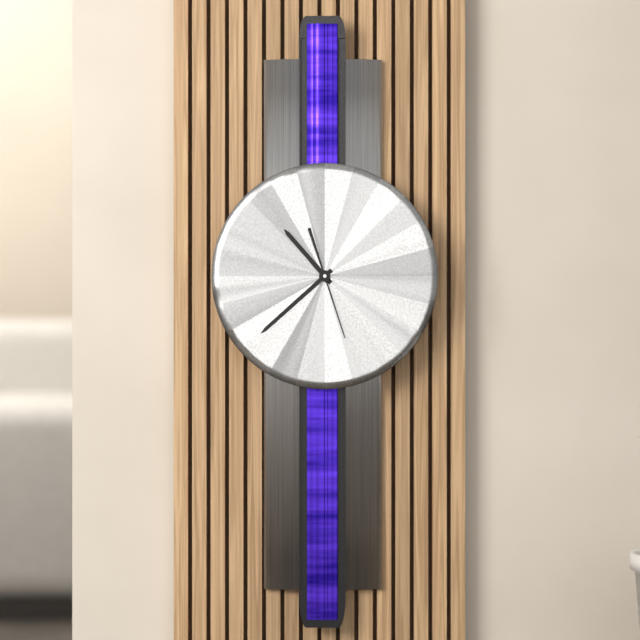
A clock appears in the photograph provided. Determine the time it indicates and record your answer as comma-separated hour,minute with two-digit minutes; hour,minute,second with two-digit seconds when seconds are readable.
10,38,27
